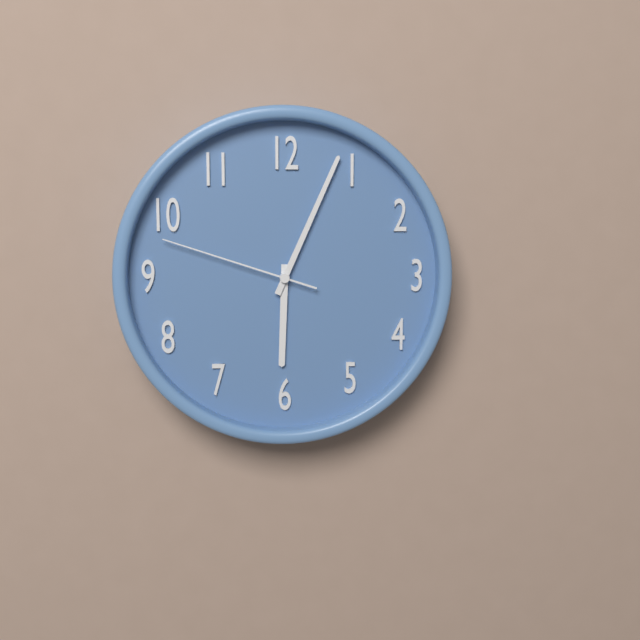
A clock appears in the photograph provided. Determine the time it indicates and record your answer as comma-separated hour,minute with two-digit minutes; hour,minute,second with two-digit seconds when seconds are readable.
6,04,48
